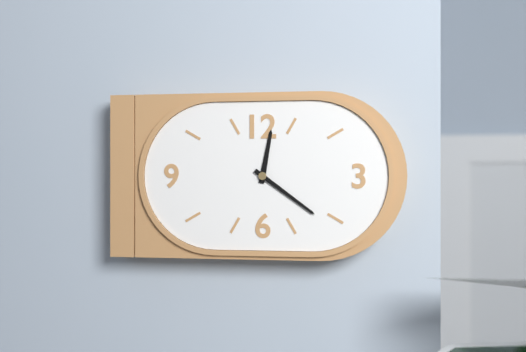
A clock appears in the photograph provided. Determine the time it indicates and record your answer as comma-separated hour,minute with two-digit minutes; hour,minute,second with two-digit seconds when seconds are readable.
12,21
